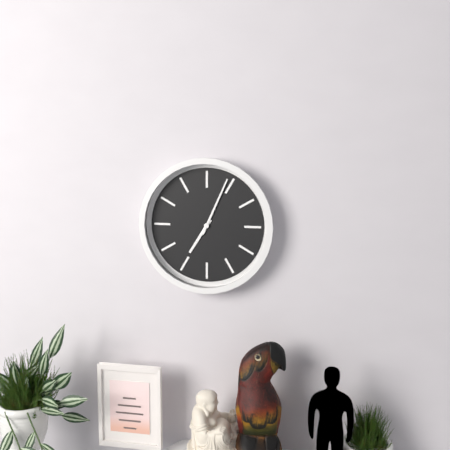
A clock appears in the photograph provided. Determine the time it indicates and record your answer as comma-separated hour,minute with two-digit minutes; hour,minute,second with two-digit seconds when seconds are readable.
7,04
